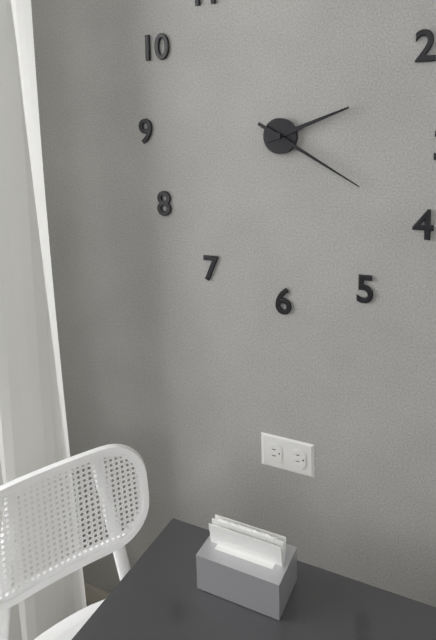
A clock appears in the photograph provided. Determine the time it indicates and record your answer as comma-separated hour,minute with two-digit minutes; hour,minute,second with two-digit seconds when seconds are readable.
2,20
